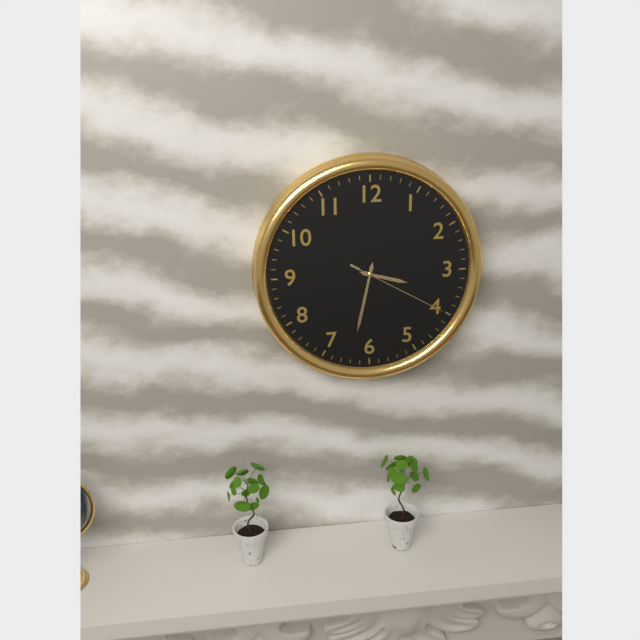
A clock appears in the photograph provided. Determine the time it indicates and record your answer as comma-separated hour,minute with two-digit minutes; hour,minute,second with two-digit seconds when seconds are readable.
3,32,20
